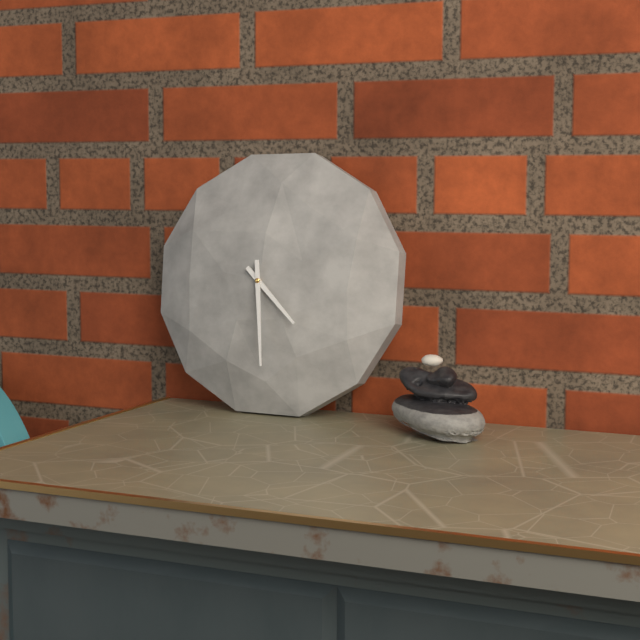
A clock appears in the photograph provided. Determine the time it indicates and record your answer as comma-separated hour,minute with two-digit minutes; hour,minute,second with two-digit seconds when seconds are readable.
4,29
